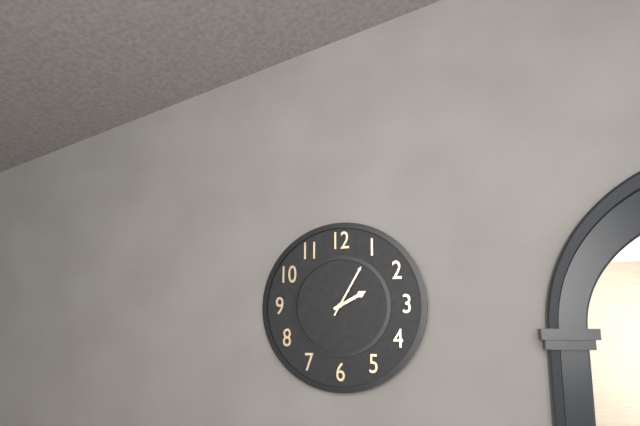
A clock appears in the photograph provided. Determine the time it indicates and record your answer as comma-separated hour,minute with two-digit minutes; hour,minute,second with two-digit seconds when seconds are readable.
2,05
